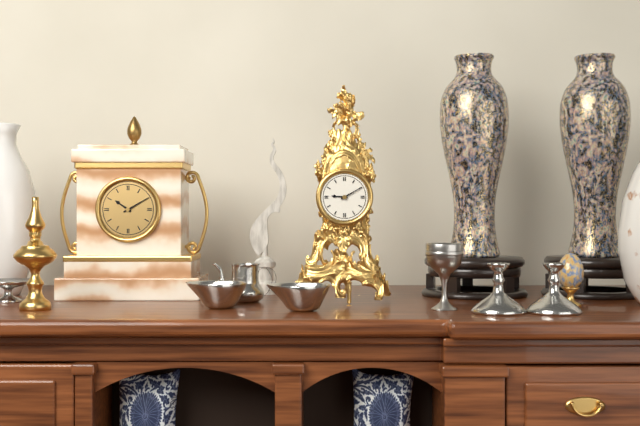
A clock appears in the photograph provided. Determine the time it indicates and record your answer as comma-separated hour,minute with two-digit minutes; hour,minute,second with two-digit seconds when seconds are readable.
9,10
